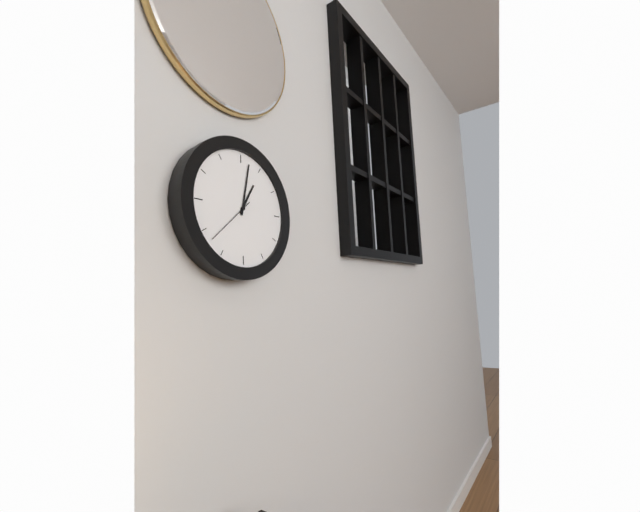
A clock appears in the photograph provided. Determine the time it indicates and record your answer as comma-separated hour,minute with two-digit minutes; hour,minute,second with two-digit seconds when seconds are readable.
1,02,38
